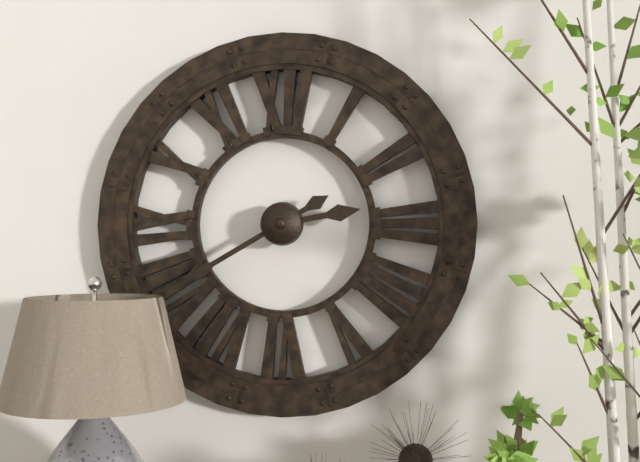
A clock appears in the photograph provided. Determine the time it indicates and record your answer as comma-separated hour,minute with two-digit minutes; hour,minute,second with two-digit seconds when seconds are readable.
2,40
